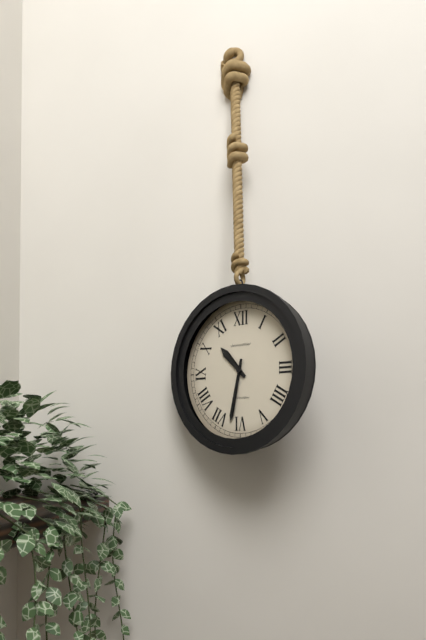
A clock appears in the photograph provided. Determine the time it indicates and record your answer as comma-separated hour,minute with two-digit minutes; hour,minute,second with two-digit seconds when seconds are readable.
10,32
